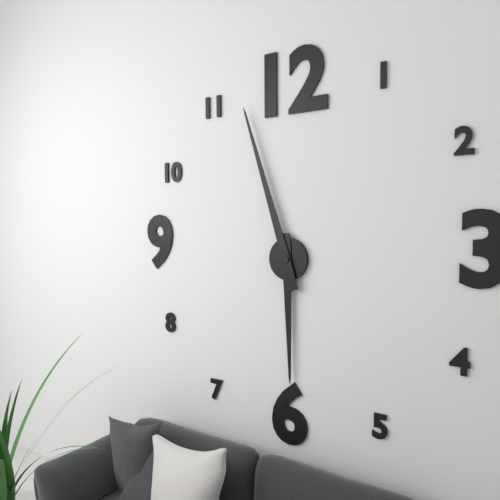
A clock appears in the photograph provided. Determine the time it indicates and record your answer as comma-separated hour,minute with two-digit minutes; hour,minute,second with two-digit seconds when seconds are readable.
5,57
